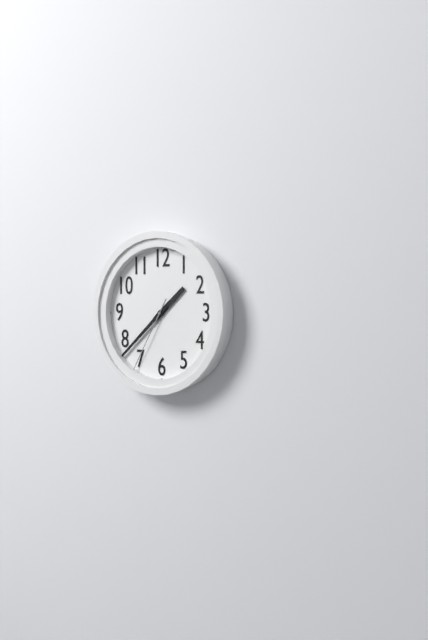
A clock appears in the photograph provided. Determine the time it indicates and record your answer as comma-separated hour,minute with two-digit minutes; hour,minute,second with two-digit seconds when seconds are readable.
1,38,35
